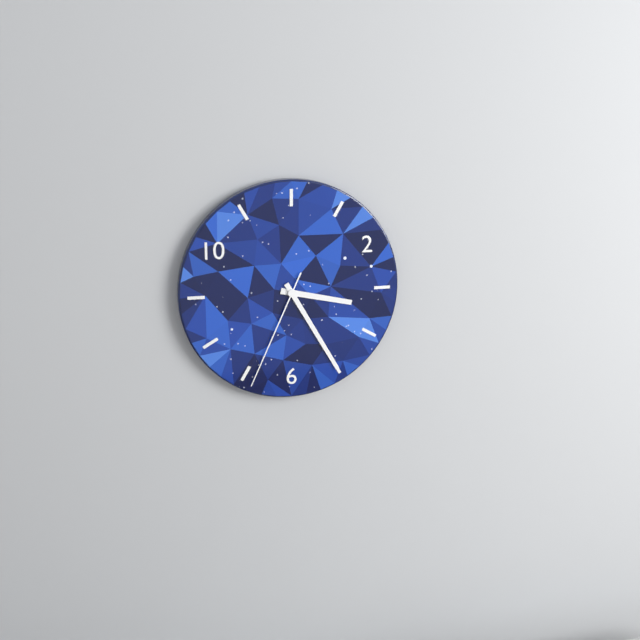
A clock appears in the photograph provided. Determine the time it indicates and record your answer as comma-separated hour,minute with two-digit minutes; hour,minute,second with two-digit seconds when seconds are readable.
3,25,34
